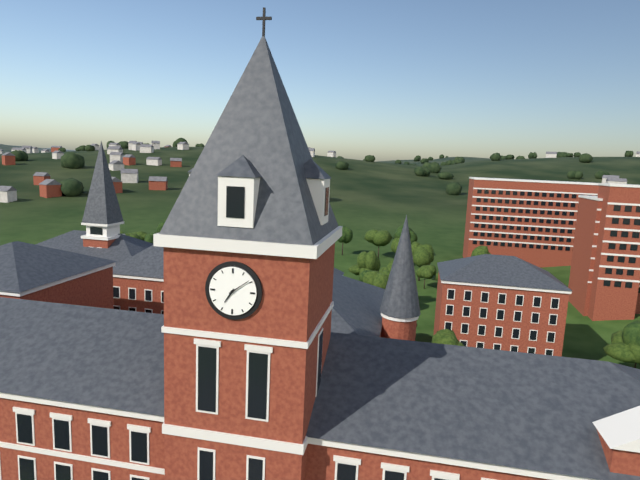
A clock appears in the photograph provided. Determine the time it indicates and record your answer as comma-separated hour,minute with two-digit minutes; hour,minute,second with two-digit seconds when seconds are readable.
7,09
